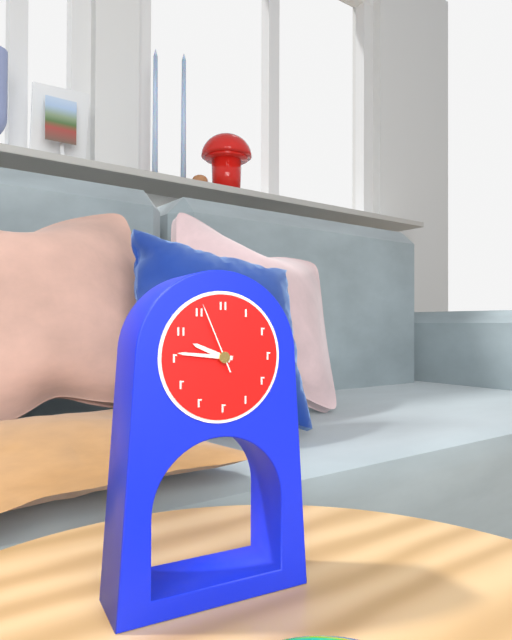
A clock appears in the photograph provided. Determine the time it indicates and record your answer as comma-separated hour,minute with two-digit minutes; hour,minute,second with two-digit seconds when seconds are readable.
9,46,56
